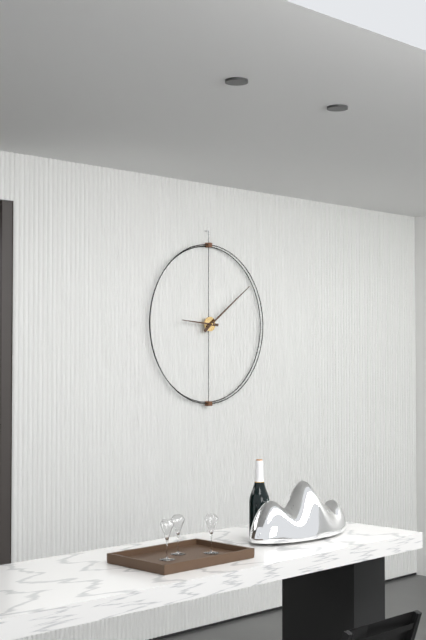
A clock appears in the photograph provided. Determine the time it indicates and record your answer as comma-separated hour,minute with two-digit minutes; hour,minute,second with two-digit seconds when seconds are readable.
9,09
